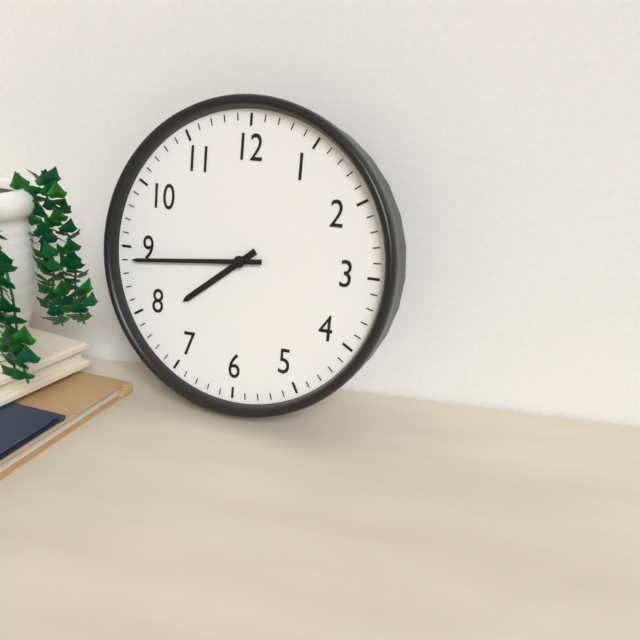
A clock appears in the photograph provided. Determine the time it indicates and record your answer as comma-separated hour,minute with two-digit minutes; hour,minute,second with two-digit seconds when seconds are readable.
7,44
